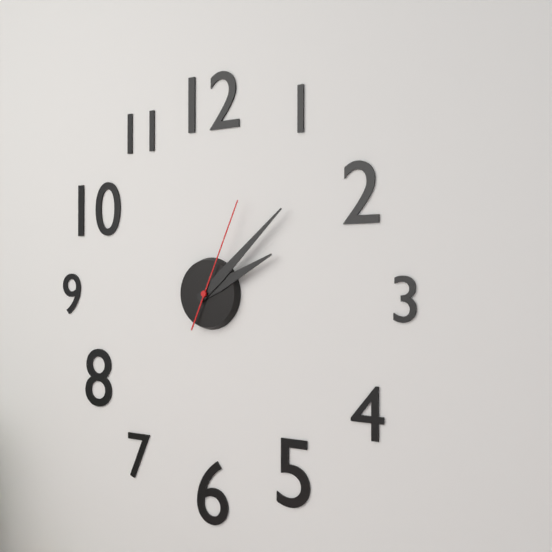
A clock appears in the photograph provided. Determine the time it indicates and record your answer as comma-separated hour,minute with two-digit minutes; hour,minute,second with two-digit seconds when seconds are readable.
2,08,04
